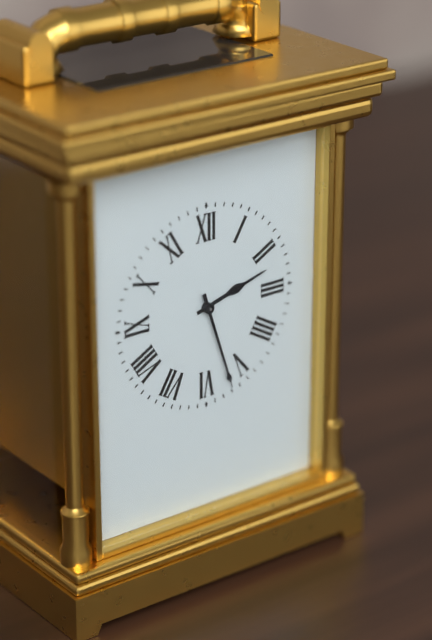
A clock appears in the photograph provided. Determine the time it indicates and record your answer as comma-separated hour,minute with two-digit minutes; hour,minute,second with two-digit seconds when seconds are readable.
2,27
